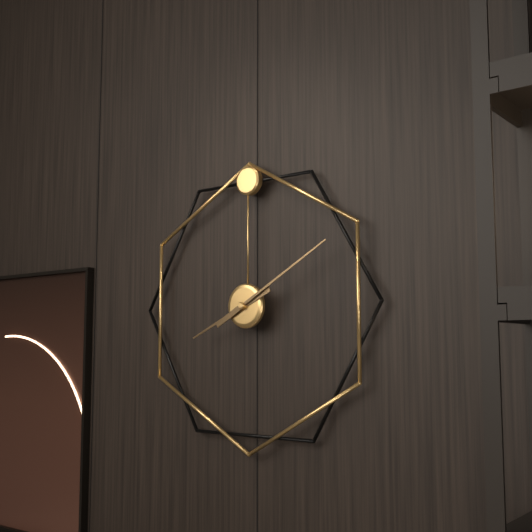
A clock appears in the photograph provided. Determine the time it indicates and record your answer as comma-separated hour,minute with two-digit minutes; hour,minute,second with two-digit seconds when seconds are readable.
8,10
